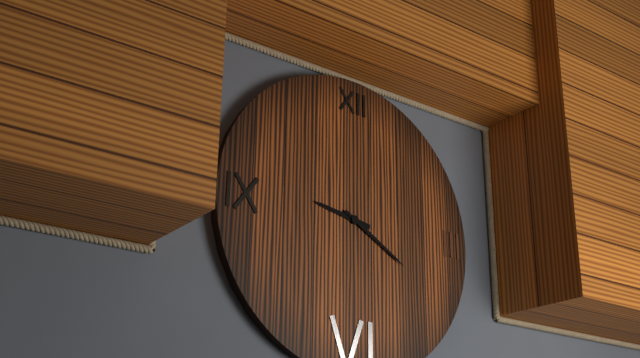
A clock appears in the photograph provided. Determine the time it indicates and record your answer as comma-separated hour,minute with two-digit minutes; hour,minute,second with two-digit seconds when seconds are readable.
9,20
